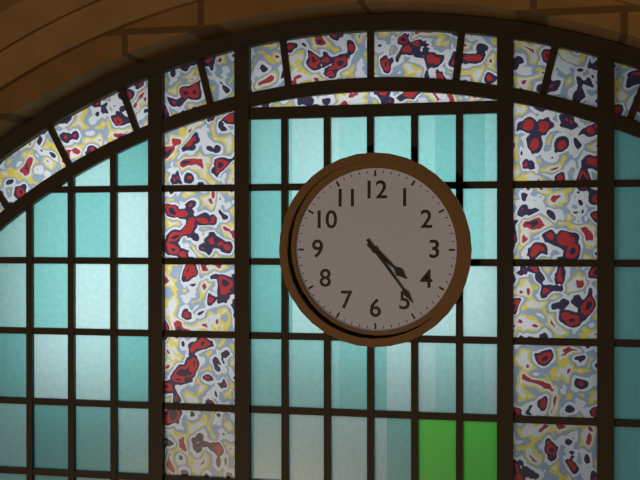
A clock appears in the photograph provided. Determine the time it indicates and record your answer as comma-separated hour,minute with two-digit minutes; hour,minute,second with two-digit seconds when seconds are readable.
4,24
